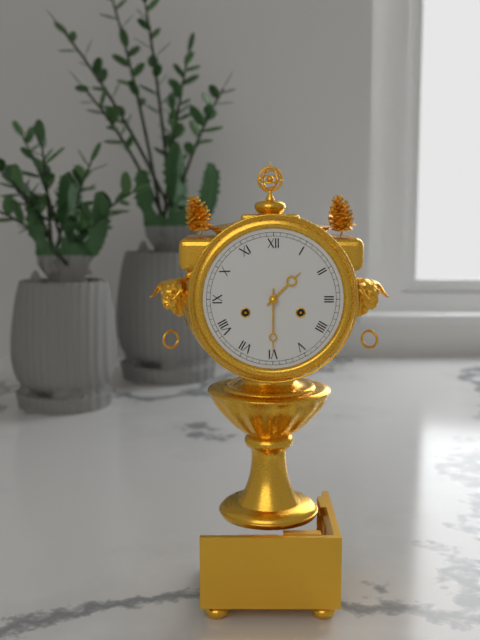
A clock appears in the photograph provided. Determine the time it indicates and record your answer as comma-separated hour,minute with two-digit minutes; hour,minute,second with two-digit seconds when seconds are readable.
1,30
